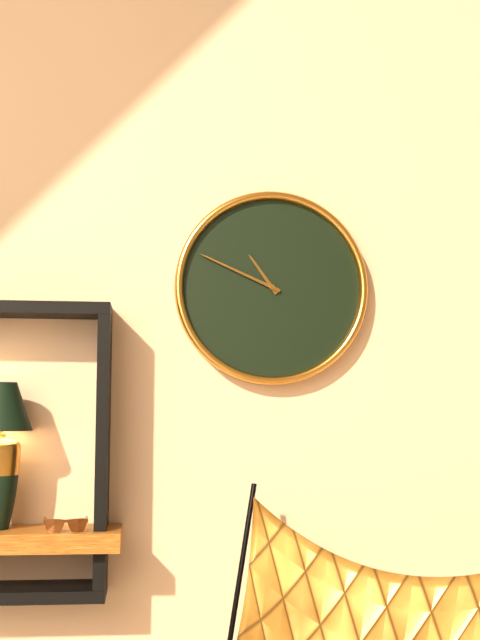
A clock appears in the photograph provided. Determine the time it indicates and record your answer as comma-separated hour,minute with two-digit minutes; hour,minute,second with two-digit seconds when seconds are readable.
10,49
